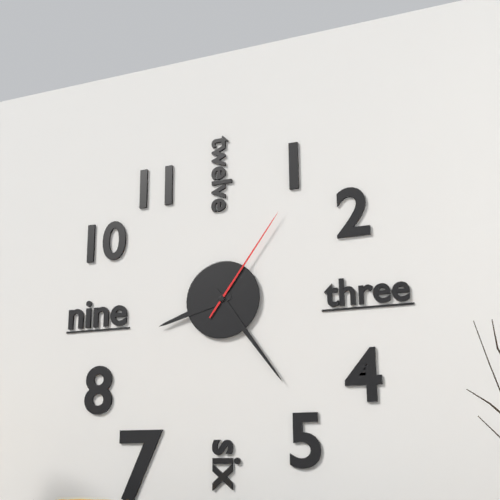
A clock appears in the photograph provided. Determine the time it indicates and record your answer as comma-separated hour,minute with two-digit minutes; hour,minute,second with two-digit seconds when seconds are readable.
8,24,06
